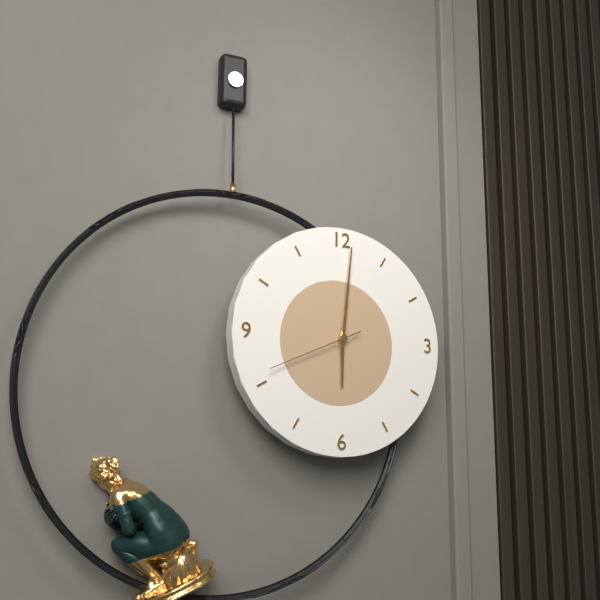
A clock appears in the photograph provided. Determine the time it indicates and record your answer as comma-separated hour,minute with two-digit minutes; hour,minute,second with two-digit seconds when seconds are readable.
6,01,41
